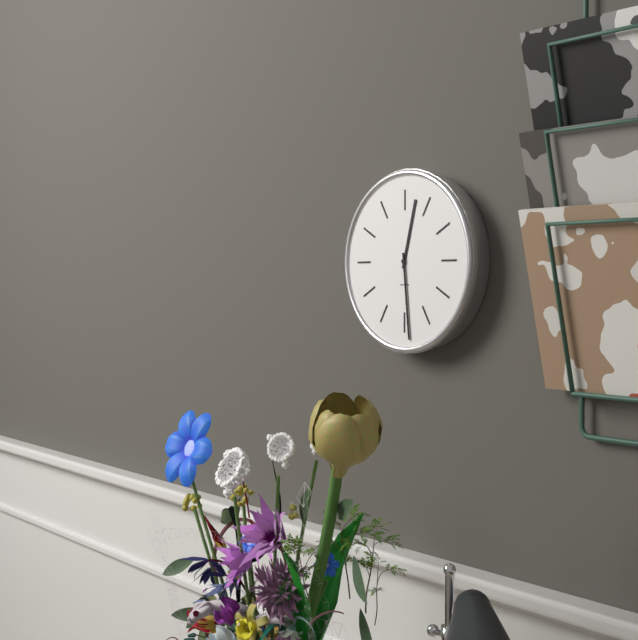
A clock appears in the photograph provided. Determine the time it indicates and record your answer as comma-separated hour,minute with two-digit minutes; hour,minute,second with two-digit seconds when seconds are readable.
12,29
